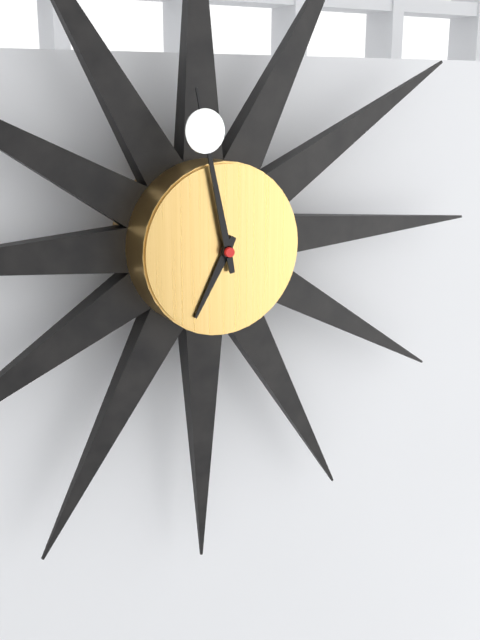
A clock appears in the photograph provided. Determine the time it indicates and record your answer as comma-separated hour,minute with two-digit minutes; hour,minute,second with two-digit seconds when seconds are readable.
6,58
